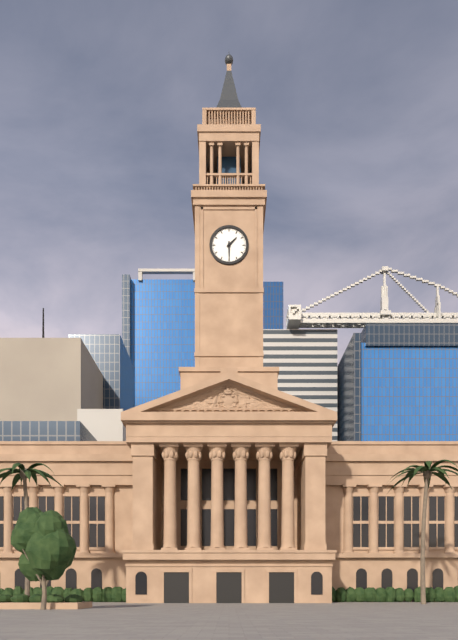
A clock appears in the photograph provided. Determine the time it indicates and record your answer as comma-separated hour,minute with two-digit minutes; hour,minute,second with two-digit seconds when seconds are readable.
1,30
